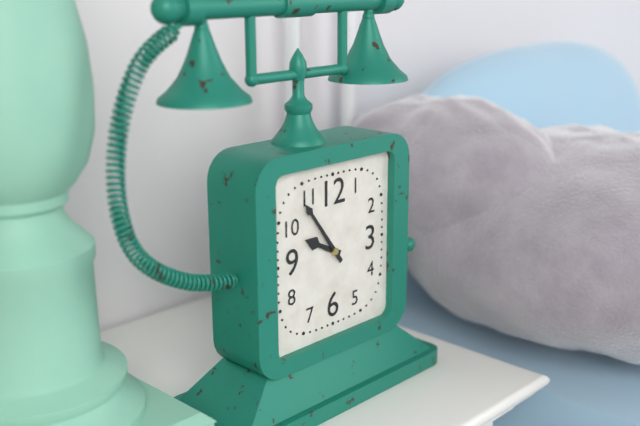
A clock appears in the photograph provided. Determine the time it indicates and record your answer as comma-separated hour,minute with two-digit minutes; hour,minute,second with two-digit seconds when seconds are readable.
9,54
